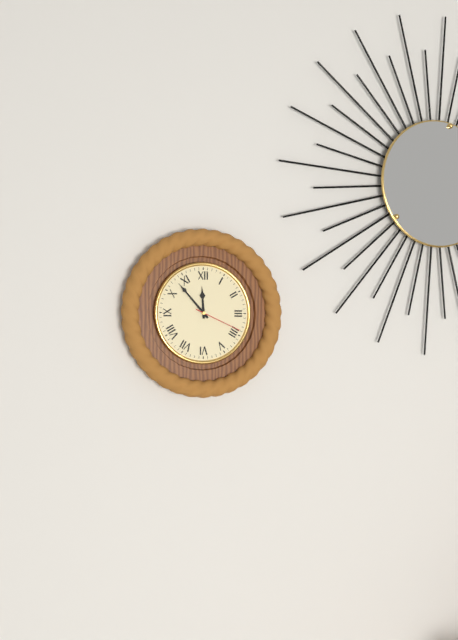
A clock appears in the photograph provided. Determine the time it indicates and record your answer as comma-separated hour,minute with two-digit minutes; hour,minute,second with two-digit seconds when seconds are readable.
11,53,19
